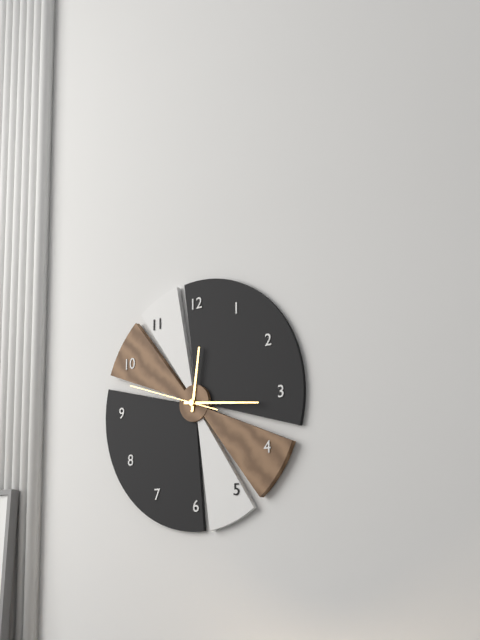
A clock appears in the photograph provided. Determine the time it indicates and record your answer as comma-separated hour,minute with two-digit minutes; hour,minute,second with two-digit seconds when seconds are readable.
12,16,48
